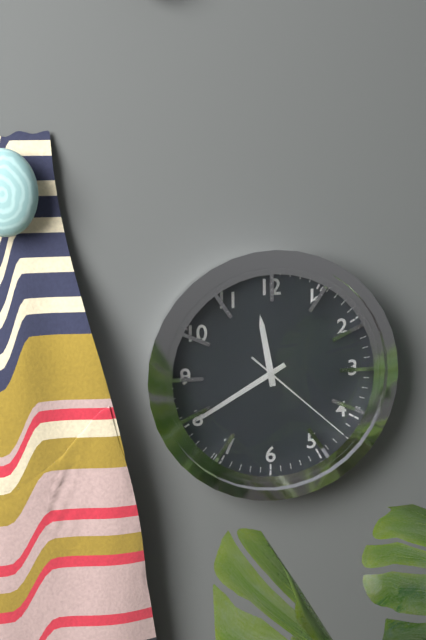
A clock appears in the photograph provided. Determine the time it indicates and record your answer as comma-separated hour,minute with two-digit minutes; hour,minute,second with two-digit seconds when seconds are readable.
11,40,22
